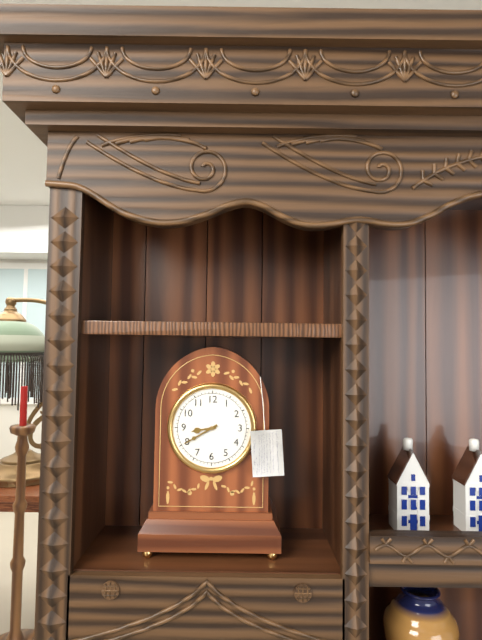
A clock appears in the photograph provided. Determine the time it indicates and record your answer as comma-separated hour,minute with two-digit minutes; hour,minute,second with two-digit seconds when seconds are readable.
8,40
